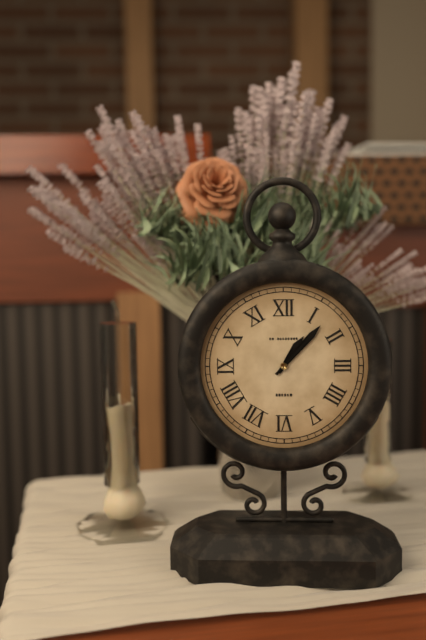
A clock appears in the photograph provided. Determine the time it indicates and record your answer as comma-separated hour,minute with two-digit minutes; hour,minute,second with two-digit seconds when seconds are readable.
1,07
